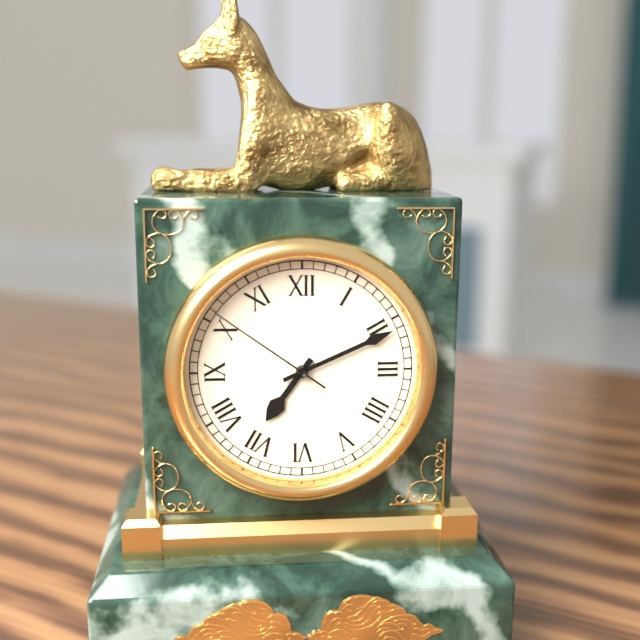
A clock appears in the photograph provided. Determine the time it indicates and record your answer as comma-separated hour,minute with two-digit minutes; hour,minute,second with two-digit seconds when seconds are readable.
7,11,51
